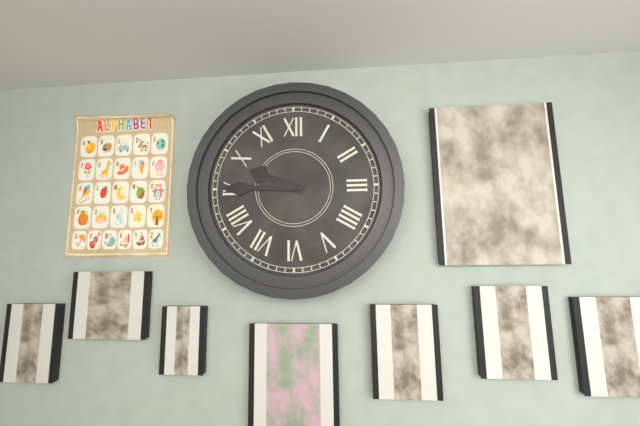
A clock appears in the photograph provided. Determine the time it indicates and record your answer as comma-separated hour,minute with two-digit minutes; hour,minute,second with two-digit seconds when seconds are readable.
9,45
